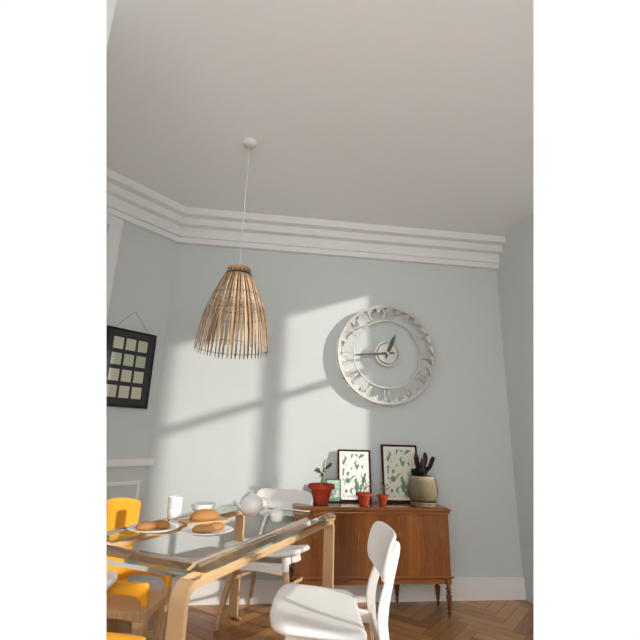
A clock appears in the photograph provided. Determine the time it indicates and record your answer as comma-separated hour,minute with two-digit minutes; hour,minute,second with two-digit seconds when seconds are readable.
12,44
